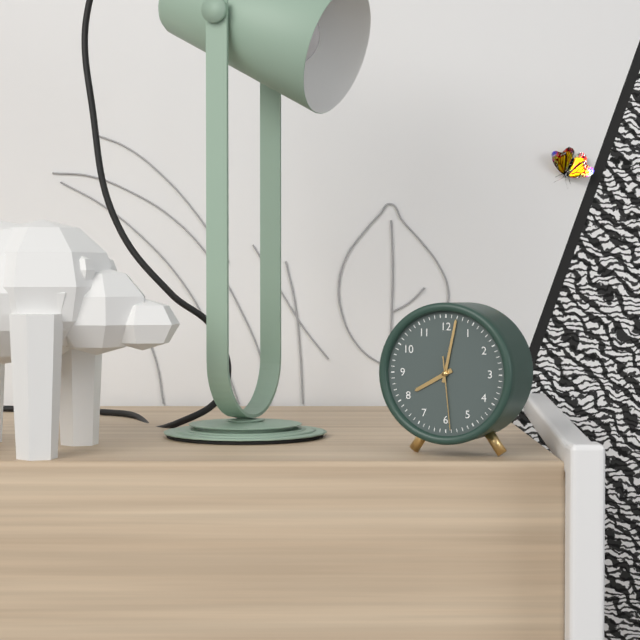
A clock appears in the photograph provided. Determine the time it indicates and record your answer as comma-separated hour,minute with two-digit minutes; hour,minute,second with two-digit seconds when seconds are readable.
8,02,29
